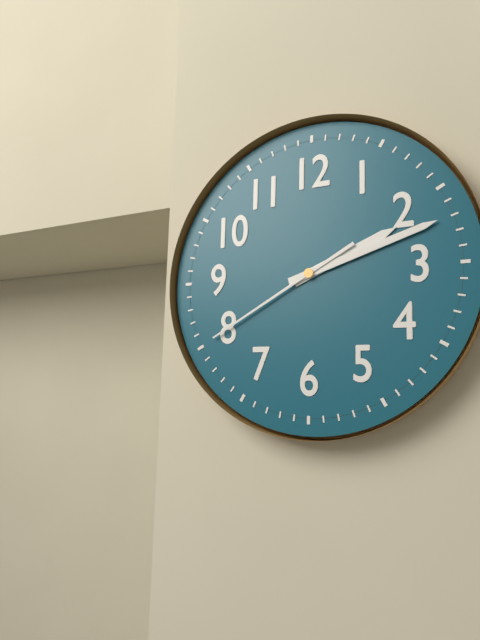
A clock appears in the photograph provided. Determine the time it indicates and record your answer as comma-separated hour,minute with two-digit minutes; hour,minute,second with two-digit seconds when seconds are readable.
2,12,40
